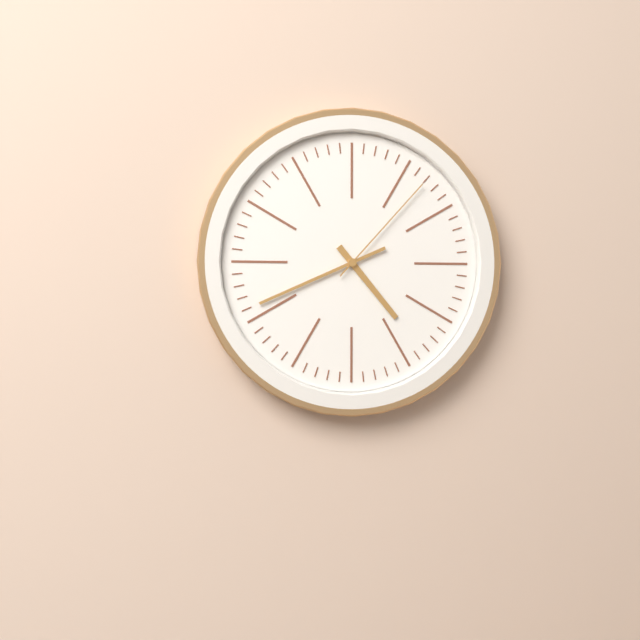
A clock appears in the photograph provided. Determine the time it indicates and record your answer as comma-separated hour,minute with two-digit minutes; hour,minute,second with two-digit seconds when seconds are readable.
4,41,07
